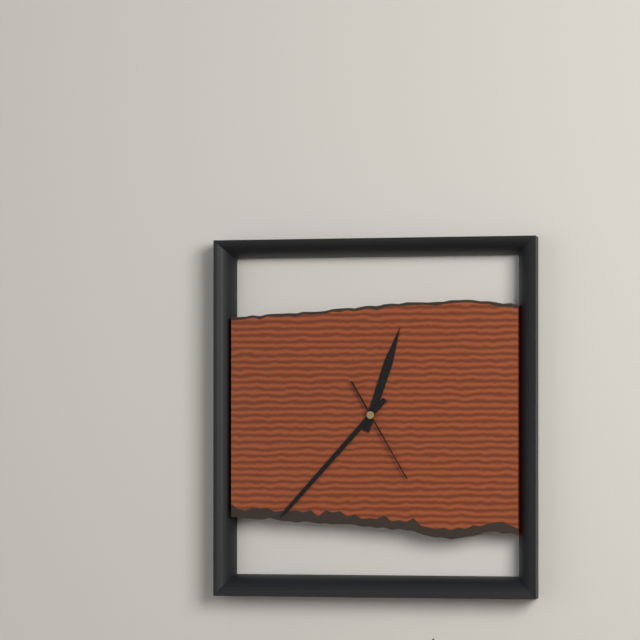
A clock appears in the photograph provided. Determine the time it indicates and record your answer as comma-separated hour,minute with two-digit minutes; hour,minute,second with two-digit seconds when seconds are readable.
12,37,25
